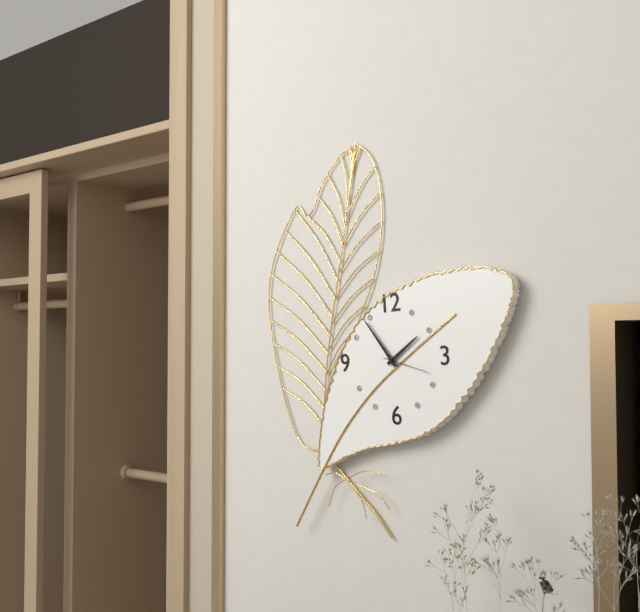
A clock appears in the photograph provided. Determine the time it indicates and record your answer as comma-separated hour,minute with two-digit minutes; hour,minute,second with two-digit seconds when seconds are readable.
1,54,18
